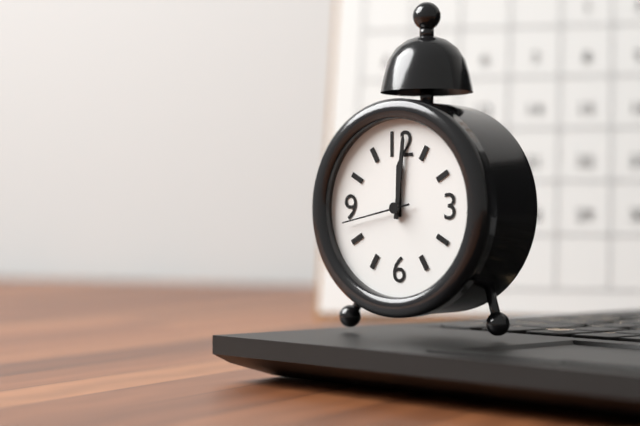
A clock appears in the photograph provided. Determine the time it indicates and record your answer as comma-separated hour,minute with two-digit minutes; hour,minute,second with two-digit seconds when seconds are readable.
12,01,43
